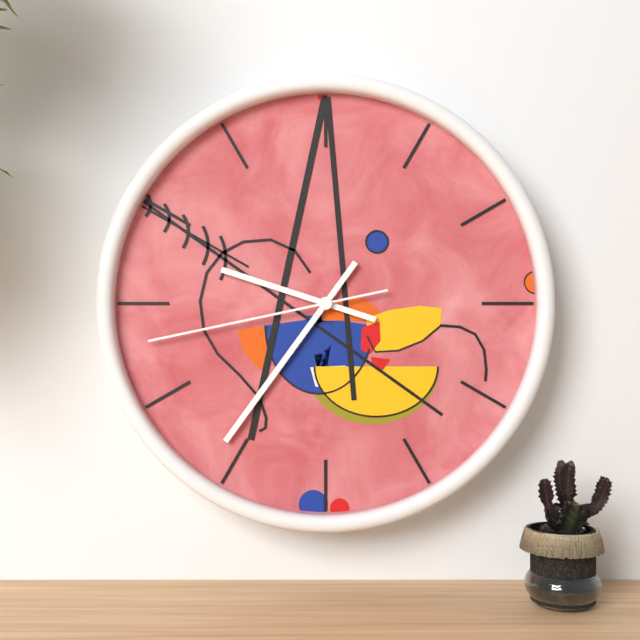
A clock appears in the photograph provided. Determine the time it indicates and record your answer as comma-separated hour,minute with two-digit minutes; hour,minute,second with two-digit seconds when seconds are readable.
9,36,43
